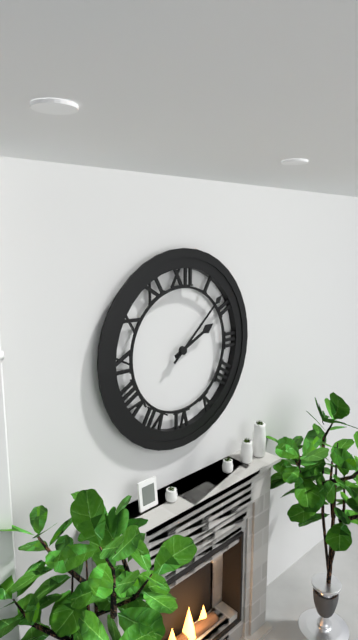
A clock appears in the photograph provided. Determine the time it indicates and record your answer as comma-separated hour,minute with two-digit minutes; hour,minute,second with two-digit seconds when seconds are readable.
2,08
